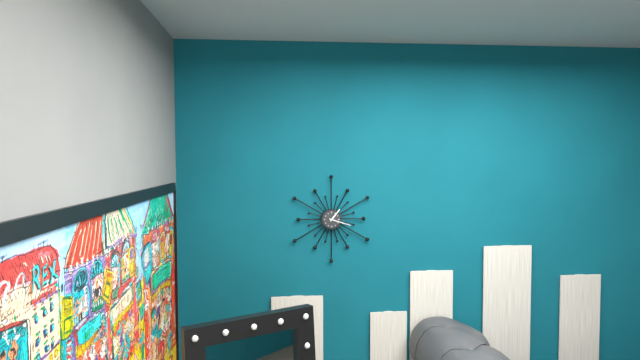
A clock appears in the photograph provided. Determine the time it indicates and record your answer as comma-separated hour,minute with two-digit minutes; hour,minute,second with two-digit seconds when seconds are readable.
1,18
